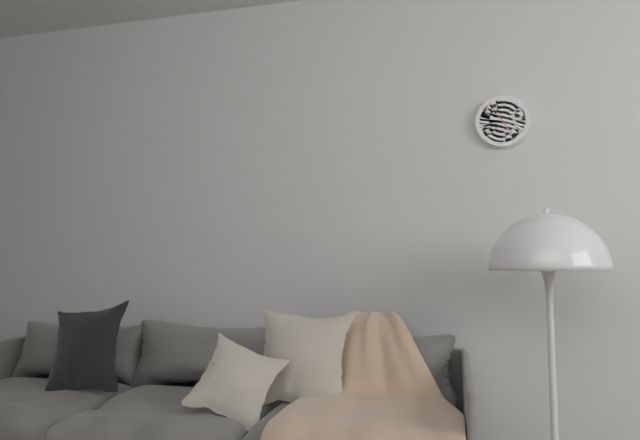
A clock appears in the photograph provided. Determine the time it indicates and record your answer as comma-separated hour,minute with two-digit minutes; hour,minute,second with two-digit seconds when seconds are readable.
4,55
